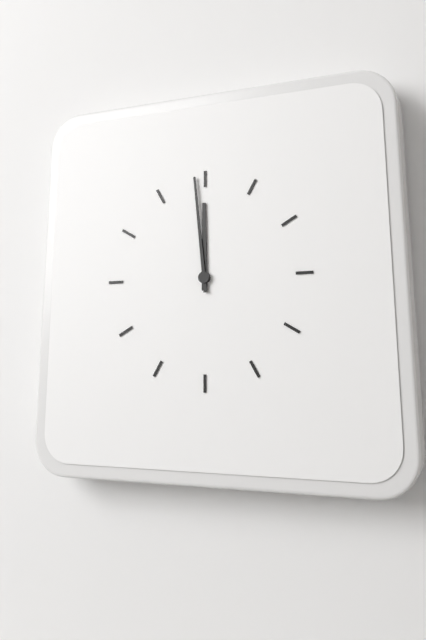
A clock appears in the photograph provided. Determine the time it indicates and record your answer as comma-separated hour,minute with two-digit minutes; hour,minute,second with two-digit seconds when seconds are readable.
11,59
